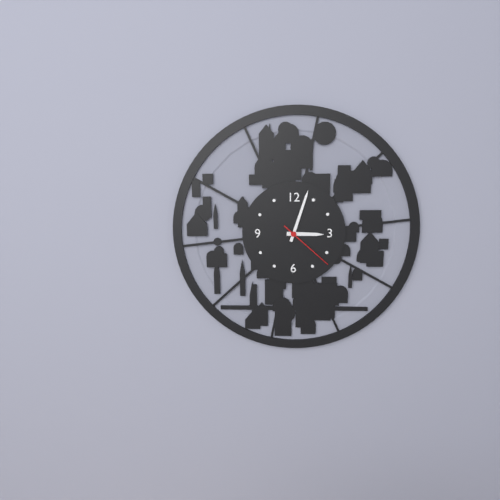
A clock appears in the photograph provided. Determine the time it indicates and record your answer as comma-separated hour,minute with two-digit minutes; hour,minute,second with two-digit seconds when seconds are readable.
3,03,22
